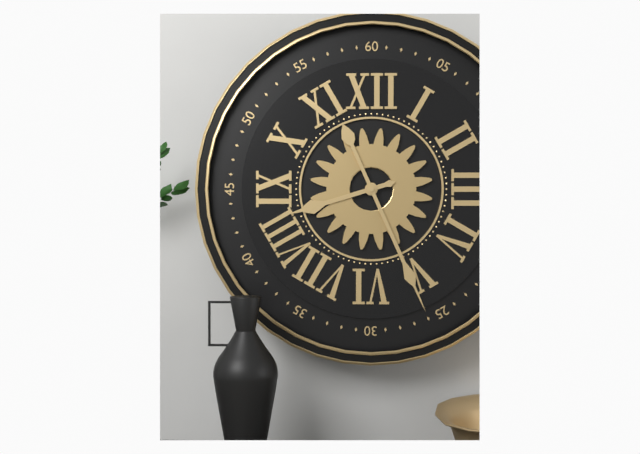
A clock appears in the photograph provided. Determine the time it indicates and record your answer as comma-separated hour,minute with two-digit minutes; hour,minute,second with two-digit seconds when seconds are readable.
8,26
